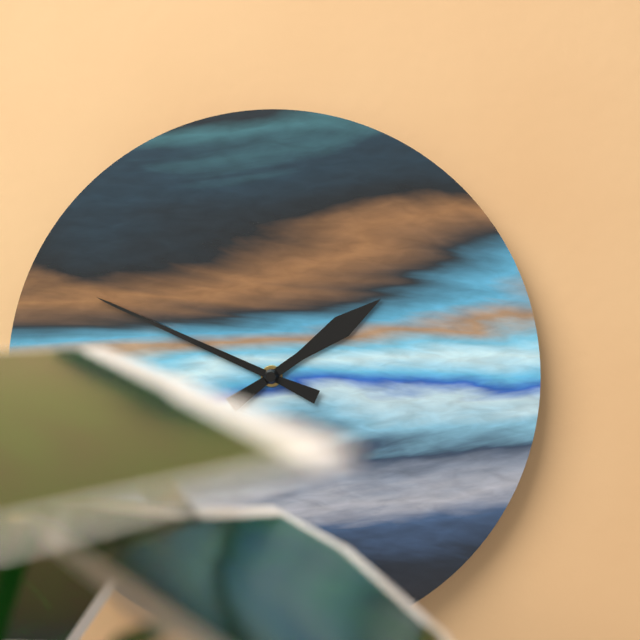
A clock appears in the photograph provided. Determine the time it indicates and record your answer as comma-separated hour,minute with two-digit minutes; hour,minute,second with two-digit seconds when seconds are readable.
1,49
